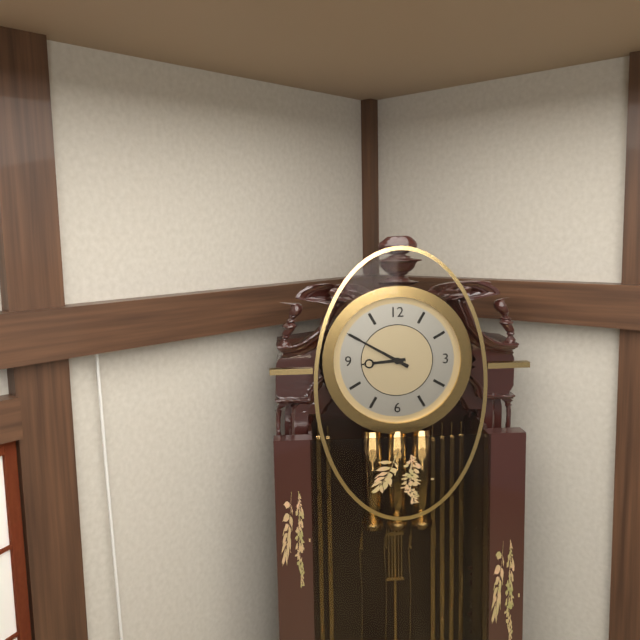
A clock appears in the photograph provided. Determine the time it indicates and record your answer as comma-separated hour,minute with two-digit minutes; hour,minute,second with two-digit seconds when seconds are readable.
8,50
